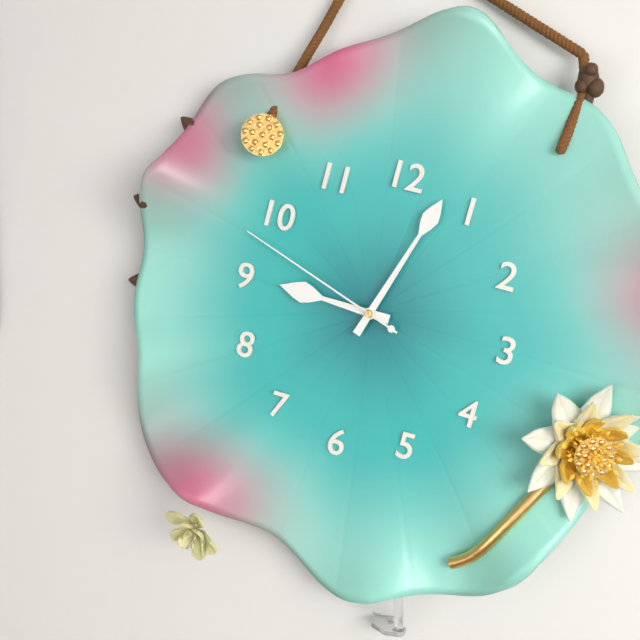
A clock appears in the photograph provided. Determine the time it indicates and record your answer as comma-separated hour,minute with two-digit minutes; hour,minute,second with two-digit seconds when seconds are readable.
9,03,48
